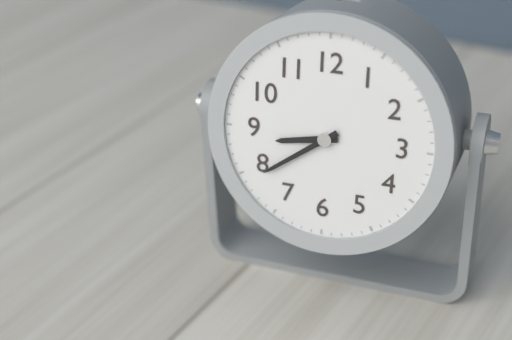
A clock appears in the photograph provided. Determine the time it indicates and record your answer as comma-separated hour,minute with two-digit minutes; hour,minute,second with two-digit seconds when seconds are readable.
8,39
